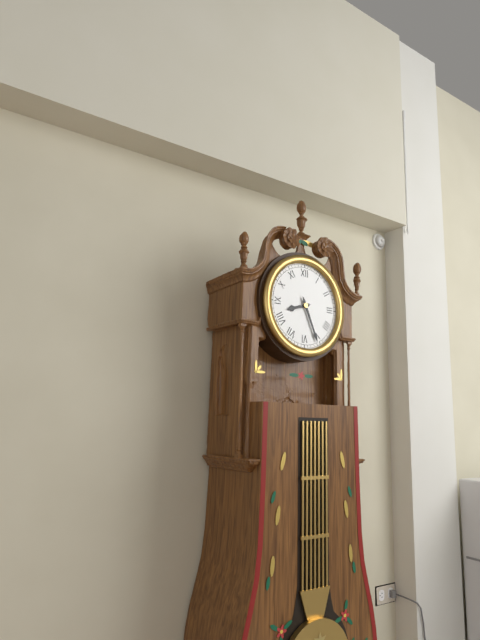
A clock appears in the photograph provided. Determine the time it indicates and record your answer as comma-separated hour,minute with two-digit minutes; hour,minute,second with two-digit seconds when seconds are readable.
8,26
